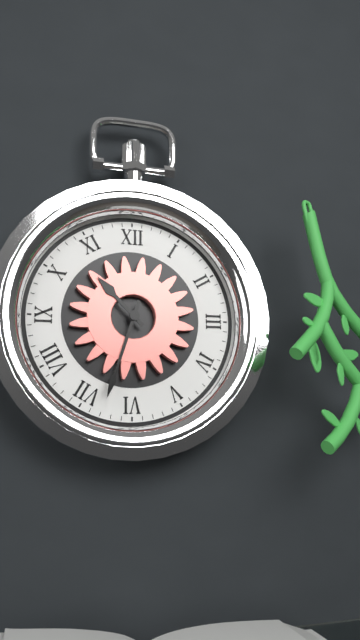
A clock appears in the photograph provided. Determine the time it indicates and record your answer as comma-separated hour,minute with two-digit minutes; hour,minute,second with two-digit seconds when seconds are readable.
10,33
